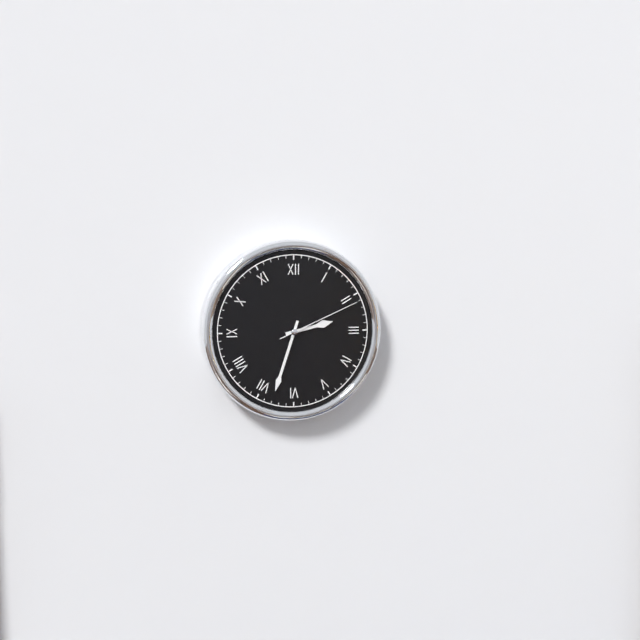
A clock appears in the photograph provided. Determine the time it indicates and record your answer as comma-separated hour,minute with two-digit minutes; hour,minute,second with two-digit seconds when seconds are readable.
2,33,11
